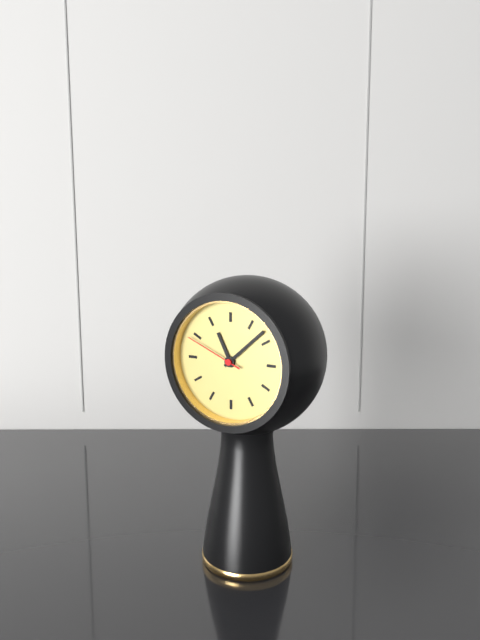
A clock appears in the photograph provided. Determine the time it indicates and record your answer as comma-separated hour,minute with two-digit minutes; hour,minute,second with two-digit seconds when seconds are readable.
11,08,49
